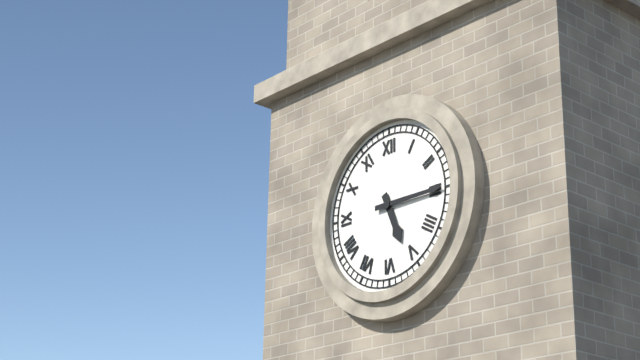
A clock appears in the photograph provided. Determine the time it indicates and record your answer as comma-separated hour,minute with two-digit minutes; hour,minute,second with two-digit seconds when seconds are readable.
5,15
